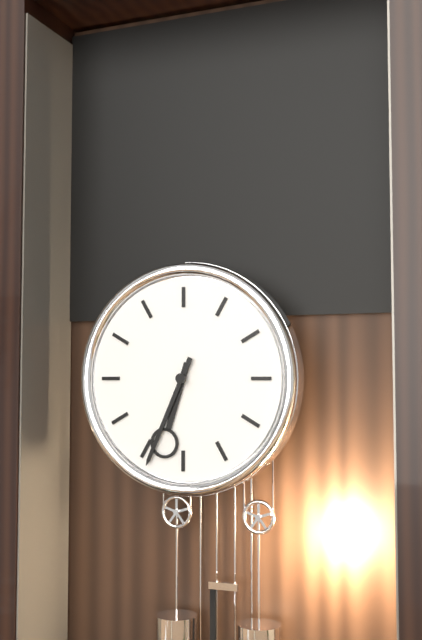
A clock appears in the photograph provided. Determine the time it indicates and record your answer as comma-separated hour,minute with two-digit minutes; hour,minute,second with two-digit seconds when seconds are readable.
6,34
